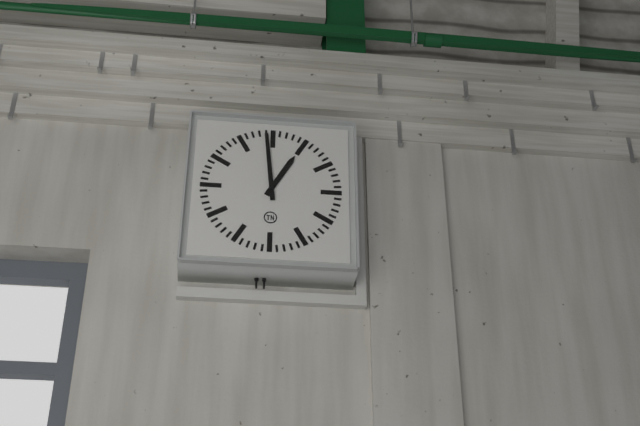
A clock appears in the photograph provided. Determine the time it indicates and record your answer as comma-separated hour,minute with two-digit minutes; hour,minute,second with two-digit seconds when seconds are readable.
12,59
